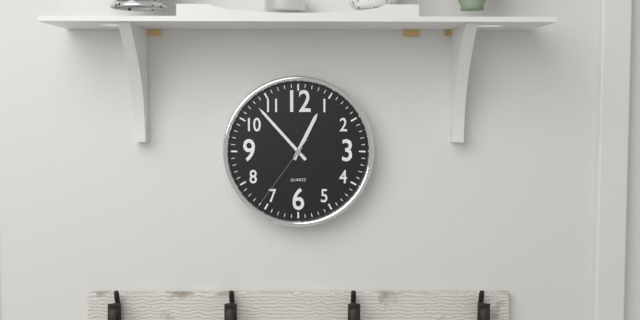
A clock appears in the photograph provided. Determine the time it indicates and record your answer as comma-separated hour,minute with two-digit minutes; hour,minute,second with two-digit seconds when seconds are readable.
12,53,36
